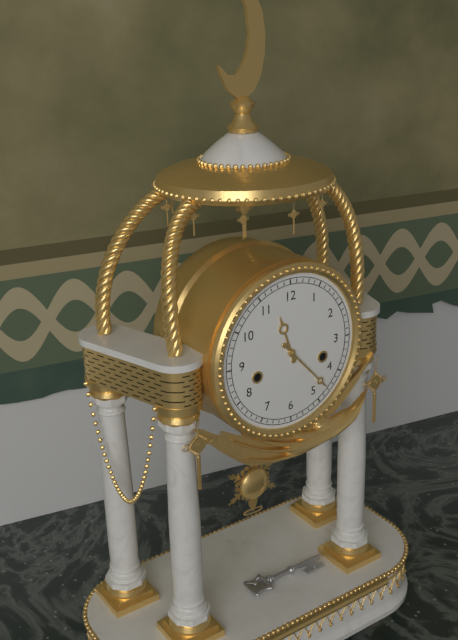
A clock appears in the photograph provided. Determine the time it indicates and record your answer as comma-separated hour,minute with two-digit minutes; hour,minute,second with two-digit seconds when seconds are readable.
11,23
